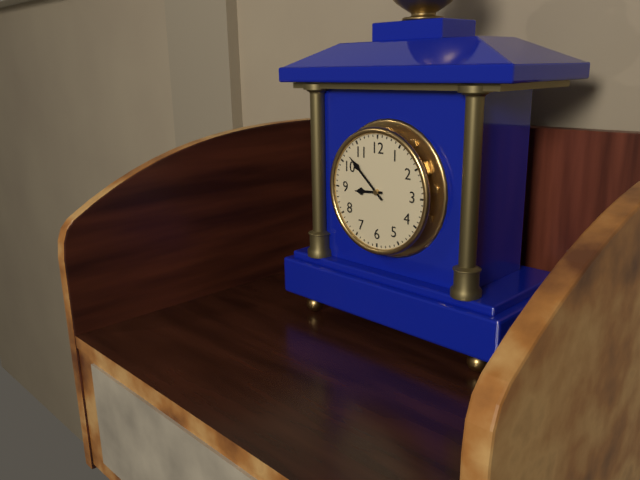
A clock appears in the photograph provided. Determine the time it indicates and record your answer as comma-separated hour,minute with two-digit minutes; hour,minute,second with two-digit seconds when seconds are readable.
8,52
